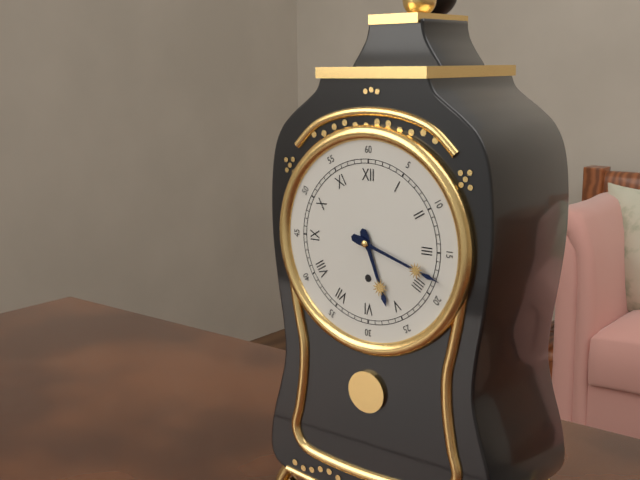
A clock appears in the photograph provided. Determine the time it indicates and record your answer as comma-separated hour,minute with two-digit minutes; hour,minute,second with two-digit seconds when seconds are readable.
5,18
